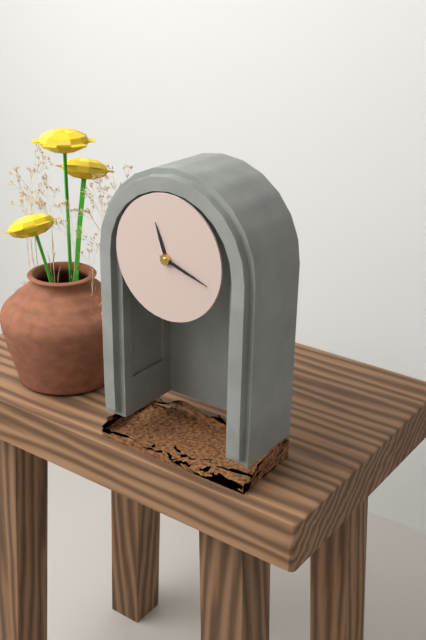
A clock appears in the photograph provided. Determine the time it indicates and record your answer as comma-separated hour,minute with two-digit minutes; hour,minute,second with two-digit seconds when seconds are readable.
11,18
